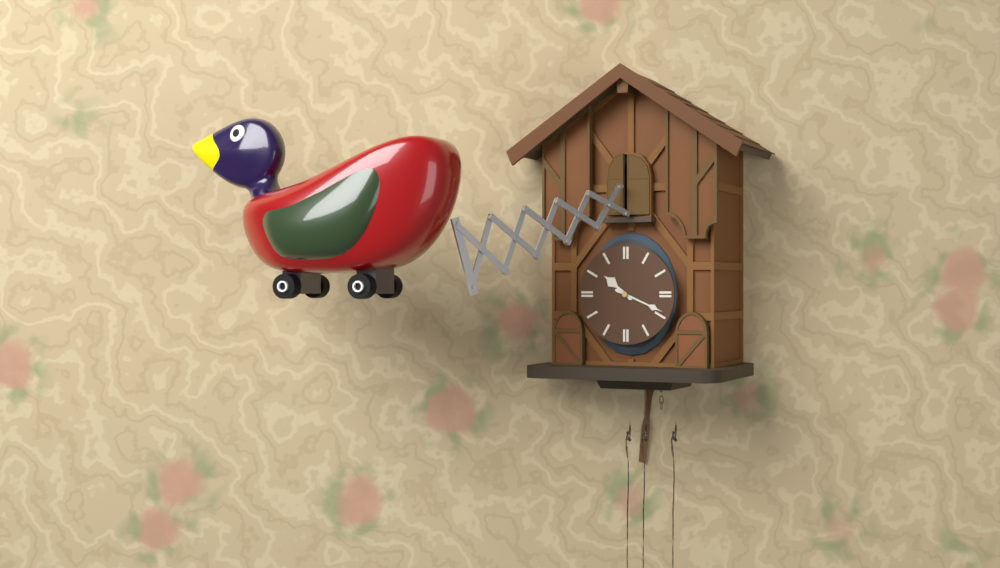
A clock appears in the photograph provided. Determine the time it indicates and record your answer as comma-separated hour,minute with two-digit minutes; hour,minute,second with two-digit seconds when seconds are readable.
10,19
